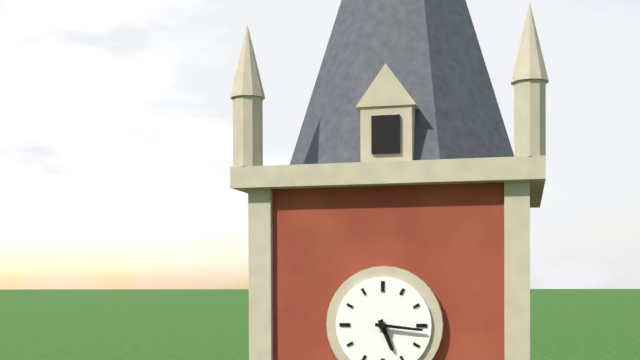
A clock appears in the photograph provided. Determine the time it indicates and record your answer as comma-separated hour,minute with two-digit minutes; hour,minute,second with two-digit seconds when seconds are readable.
5,16
